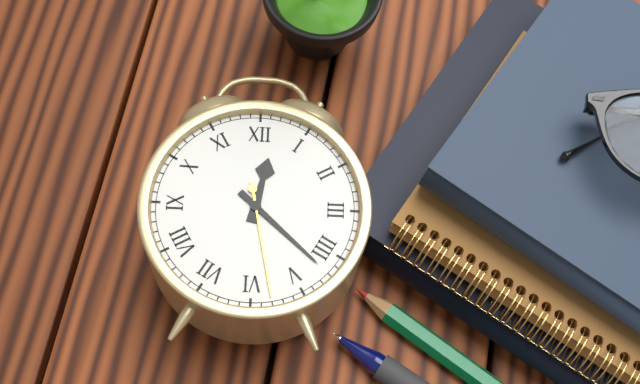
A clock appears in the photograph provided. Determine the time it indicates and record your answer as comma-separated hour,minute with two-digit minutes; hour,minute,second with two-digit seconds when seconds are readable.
12,22,28
